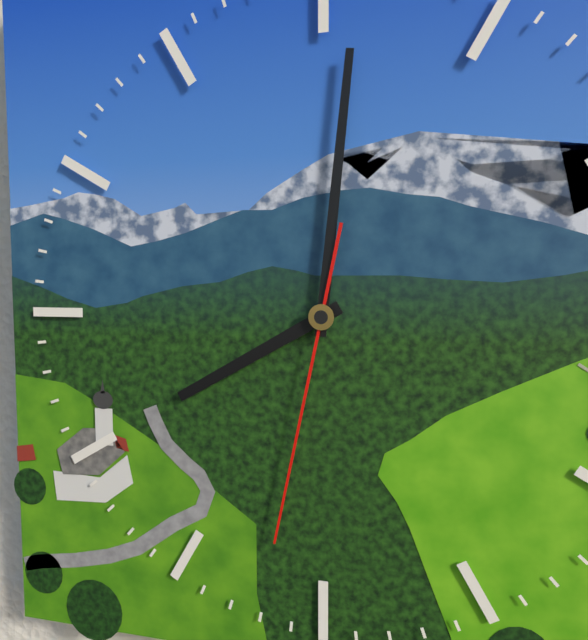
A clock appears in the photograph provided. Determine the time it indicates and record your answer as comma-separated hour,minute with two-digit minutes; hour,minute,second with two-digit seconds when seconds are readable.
8,01,32
